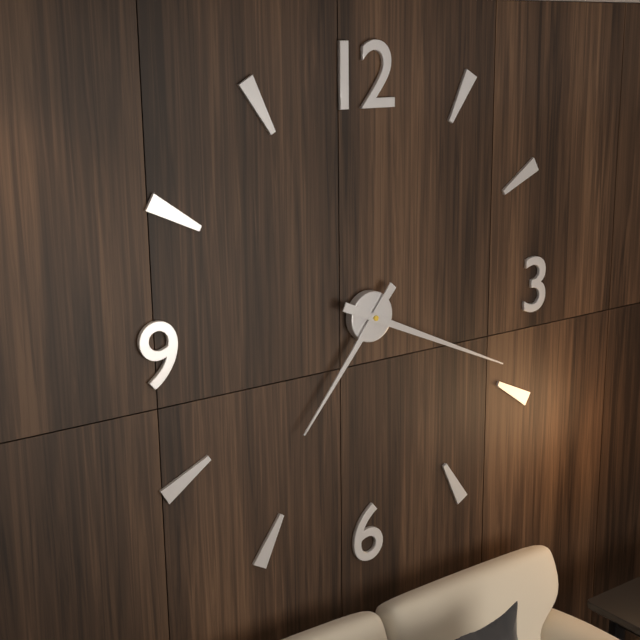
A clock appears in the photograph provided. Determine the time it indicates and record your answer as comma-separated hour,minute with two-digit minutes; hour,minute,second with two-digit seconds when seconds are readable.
7,19
